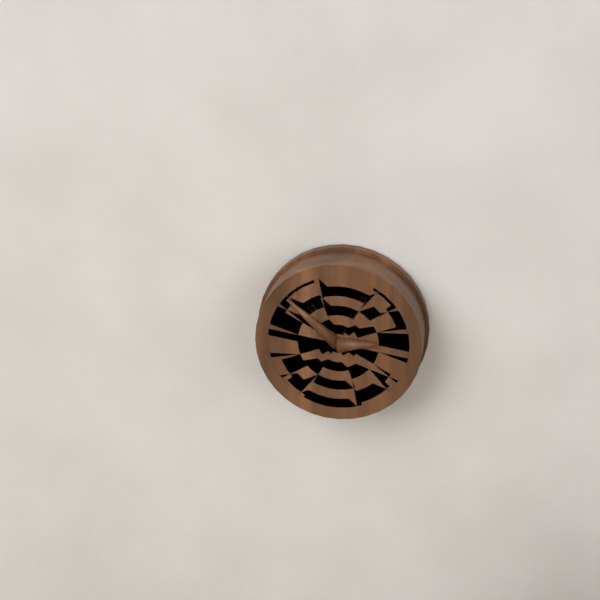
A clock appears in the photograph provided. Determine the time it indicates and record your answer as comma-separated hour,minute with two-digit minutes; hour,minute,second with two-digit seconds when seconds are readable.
2,52
